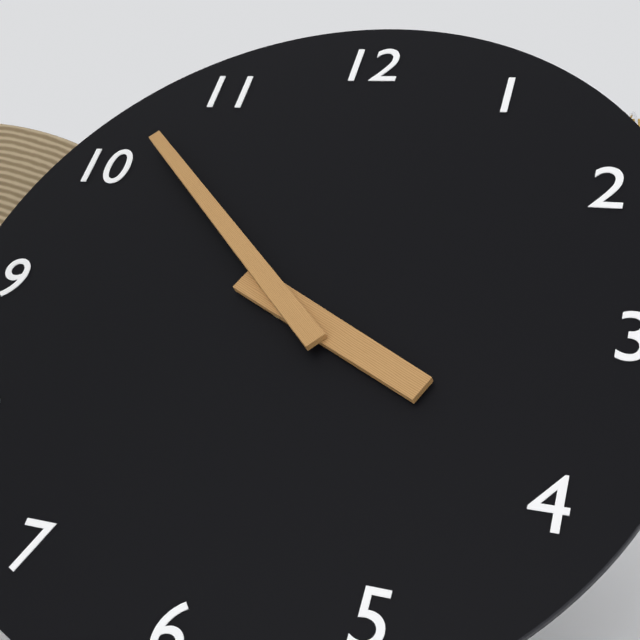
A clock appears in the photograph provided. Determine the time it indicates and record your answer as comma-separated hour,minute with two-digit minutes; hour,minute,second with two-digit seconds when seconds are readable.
3,52
